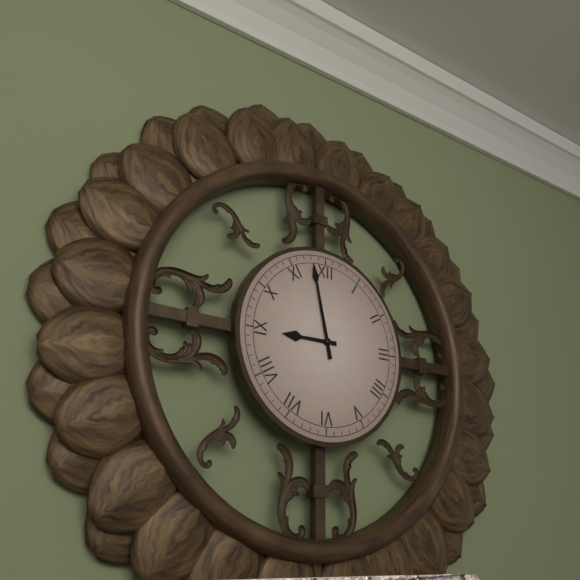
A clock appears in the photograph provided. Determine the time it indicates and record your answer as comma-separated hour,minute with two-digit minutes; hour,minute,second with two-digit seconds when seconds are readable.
8,58
